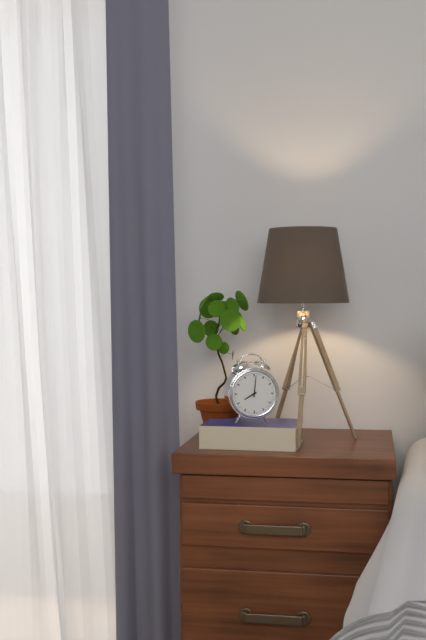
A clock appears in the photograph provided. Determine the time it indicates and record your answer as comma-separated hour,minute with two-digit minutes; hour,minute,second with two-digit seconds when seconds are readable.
8,01
